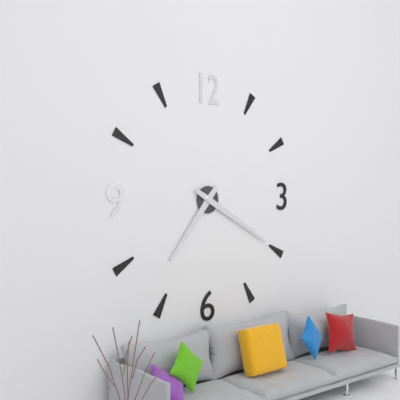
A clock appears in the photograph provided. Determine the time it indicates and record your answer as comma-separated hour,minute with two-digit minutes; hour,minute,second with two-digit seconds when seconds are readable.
7,20
